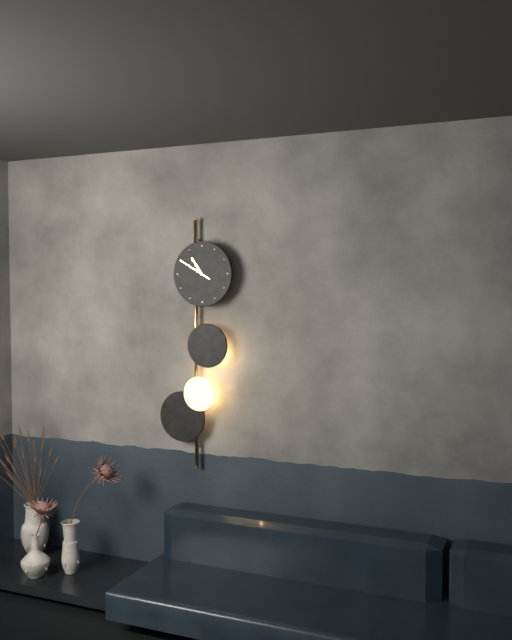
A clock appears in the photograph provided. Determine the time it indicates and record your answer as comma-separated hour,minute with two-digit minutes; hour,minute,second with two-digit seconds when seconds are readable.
10,50
